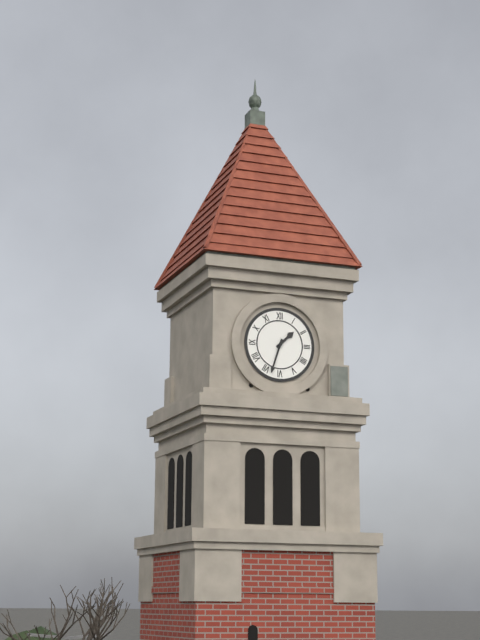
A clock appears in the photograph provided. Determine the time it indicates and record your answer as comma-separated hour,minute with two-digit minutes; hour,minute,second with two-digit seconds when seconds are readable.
1,33
